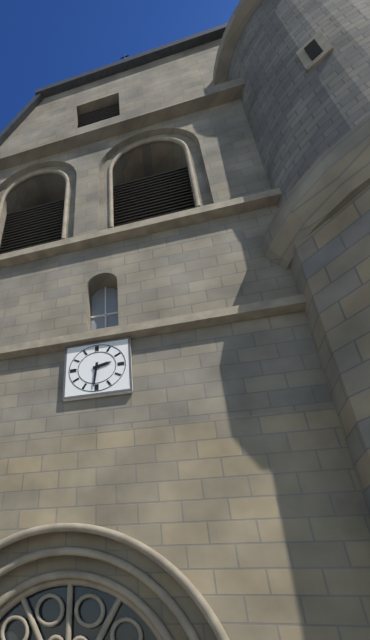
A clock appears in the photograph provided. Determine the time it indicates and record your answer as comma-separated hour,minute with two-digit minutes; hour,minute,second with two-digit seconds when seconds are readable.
2,31
